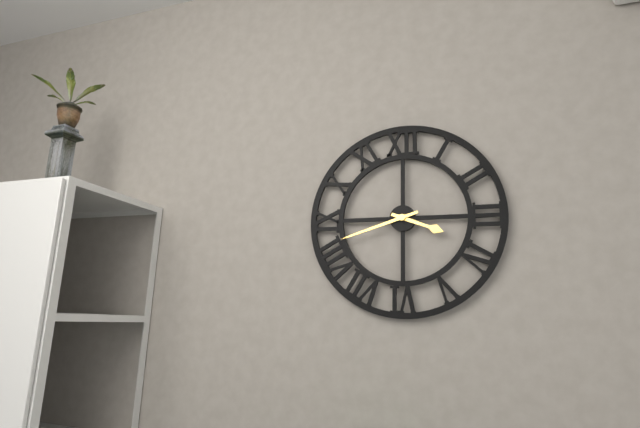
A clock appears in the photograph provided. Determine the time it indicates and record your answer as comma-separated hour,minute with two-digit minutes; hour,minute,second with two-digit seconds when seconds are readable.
3,42
